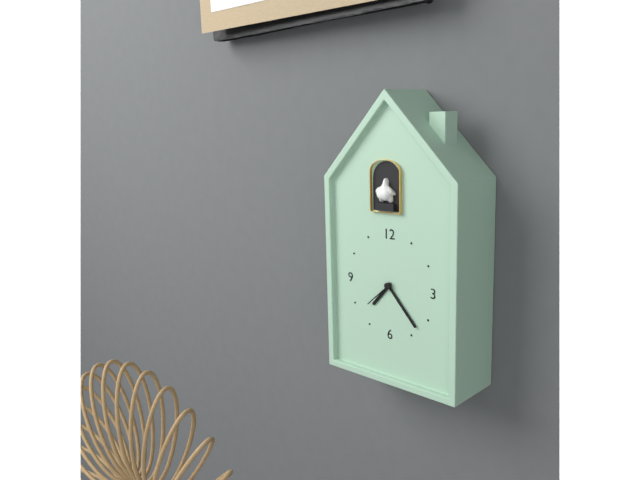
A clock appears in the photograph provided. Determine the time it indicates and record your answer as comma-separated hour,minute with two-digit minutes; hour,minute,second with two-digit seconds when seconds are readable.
7,23
